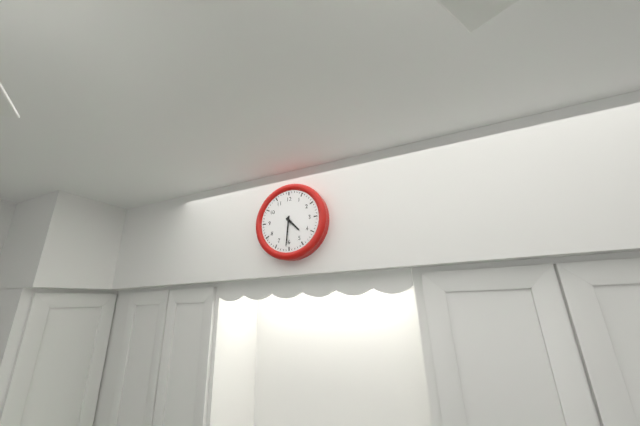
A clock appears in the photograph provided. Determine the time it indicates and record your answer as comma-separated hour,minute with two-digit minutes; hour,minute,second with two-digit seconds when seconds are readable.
4,31
